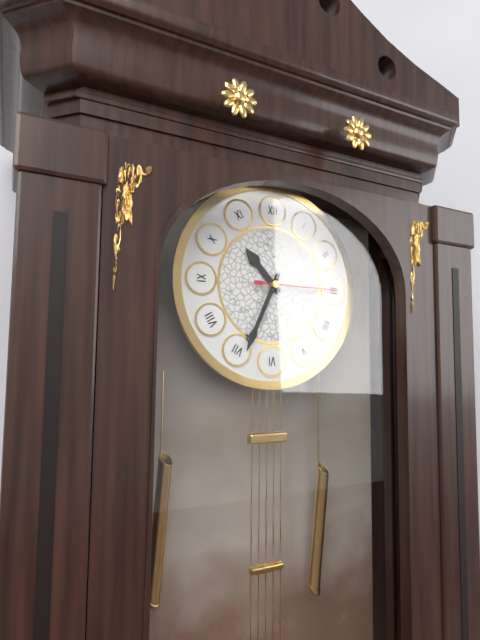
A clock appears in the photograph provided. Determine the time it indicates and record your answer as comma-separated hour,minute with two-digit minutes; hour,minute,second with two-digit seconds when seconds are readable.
10,34,15
